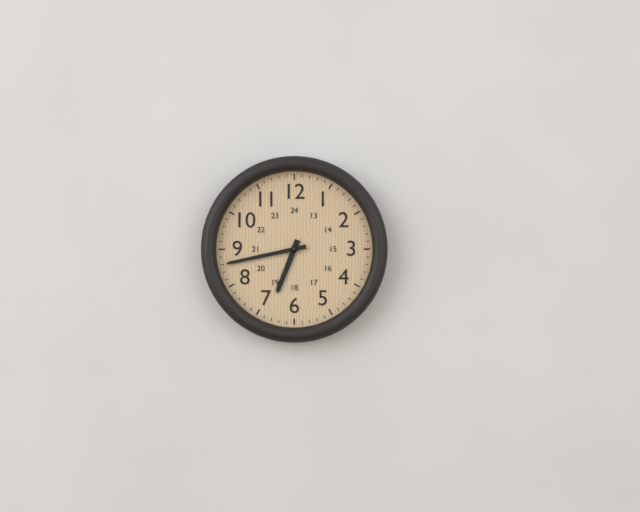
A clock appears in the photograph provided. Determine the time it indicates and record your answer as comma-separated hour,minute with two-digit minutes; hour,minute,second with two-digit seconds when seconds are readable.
6,43
